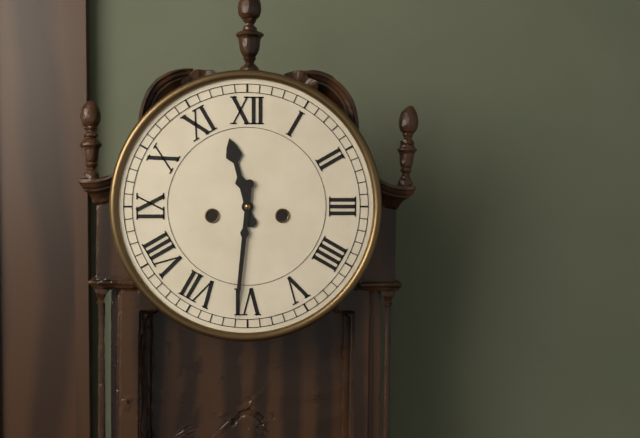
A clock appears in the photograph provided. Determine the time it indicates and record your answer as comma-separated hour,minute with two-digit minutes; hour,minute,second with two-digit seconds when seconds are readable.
11,31
